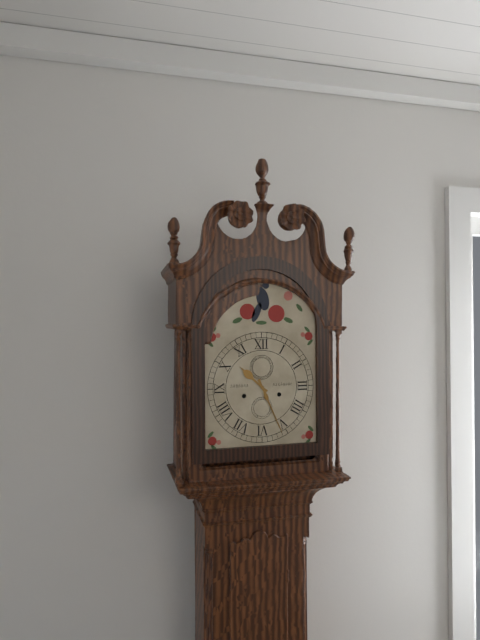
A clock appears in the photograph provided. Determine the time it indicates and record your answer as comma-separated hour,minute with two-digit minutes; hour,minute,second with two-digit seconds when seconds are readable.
10,26
